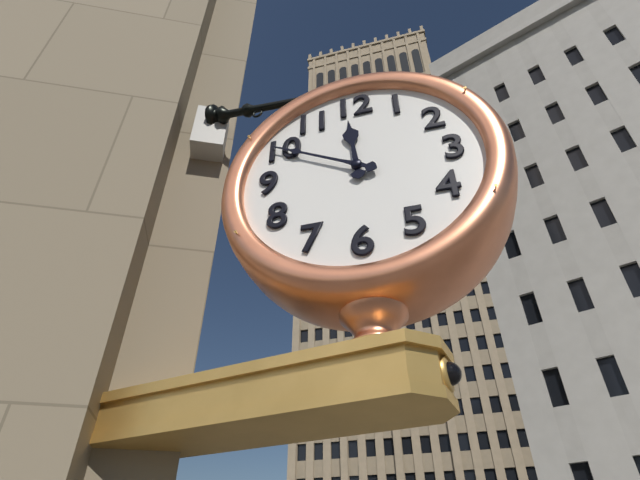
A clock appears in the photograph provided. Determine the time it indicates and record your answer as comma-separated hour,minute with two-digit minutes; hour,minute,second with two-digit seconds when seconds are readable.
11,50
